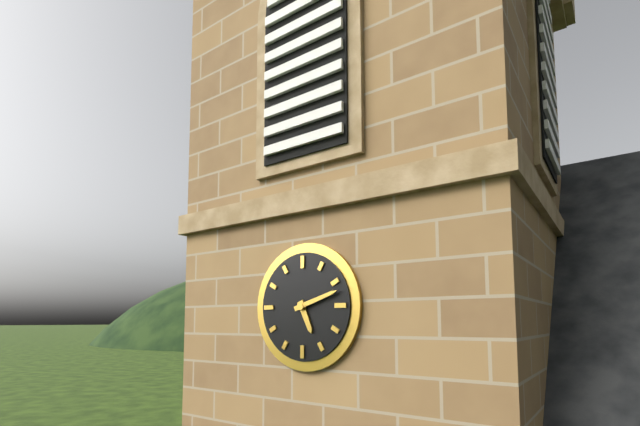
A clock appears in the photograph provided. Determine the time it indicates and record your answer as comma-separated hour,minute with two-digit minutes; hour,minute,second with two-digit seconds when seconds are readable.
5,12
